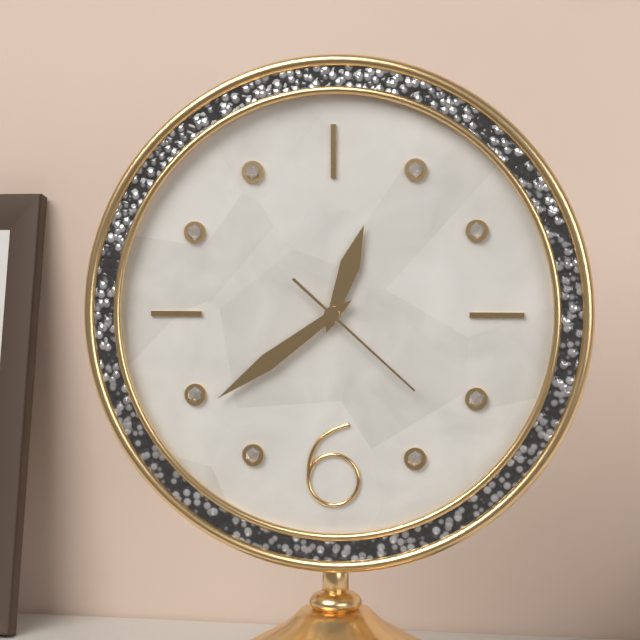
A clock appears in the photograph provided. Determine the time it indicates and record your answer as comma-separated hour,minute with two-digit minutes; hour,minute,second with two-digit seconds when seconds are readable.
12,39,22
